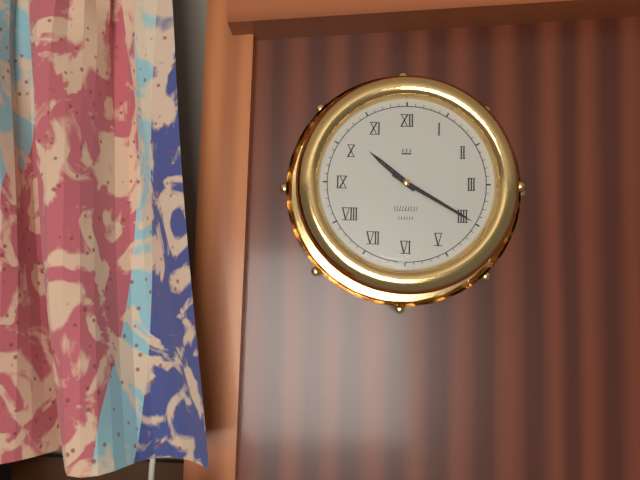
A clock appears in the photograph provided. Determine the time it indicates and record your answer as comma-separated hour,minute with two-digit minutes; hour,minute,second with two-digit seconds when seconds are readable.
10,20
